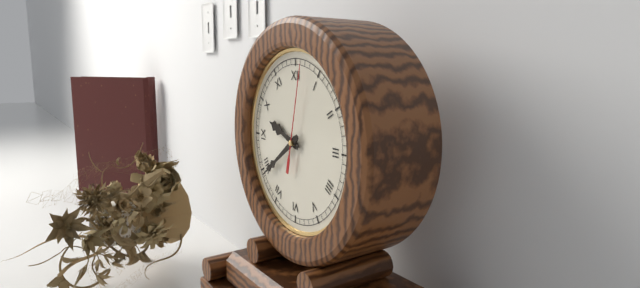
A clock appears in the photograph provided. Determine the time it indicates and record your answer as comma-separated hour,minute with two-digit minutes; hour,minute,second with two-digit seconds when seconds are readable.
9,39,02
